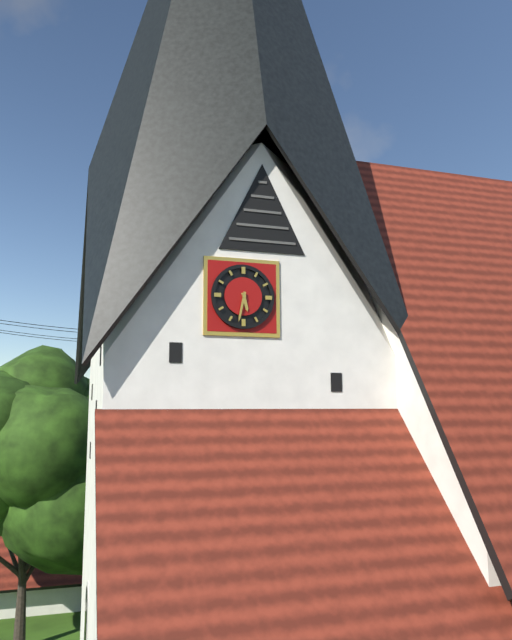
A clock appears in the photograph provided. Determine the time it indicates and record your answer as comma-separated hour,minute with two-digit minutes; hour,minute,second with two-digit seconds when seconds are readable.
5,32
